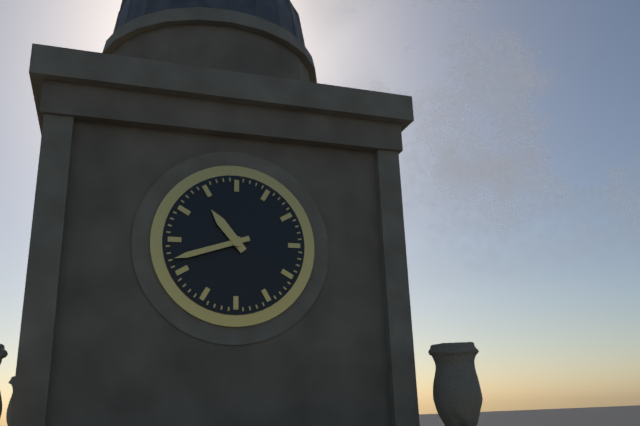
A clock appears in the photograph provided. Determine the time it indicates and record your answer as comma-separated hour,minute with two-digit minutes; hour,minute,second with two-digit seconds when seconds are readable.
10,42
